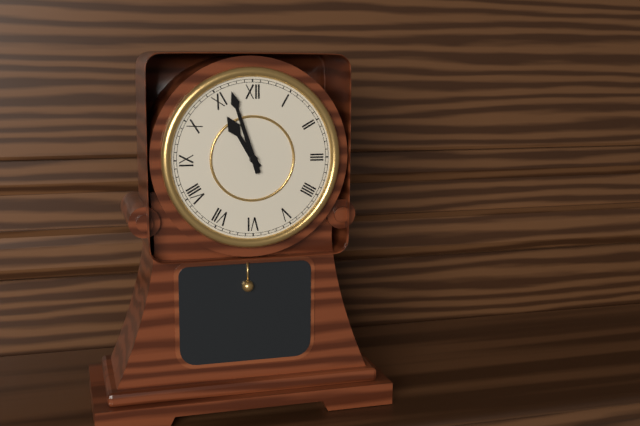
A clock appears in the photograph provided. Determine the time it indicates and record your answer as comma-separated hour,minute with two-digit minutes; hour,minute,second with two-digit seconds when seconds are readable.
10,57
